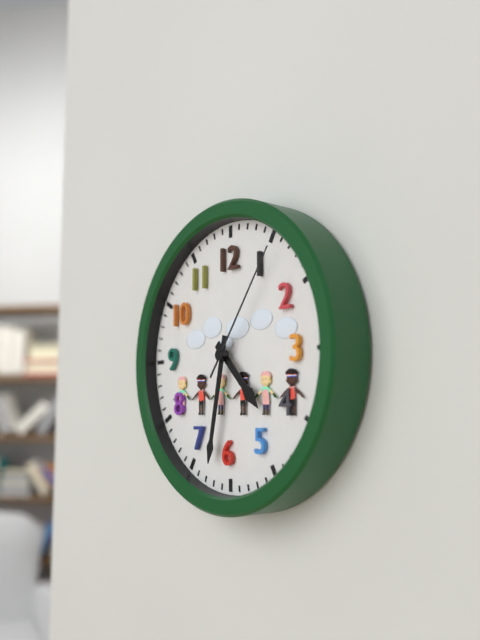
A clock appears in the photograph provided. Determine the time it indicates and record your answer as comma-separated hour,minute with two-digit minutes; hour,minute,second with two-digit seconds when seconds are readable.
4,32,06
